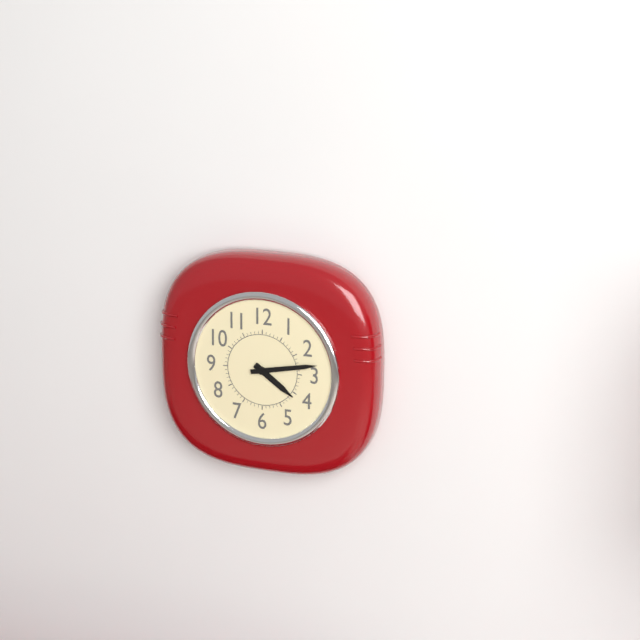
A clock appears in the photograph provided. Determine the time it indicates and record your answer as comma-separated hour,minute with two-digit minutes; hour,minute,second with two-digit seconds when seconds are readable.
4,13
